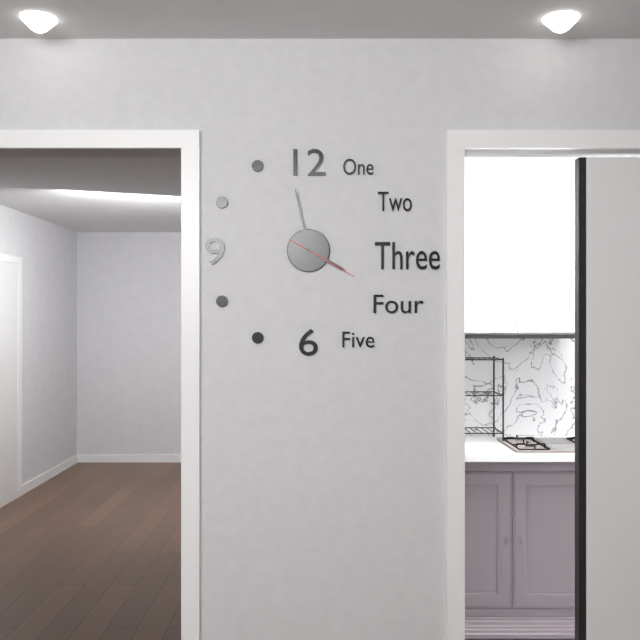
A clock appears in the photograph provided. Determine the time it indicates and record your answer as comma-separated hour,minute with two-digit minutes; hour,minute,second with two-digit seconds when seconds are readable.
3,58,20
